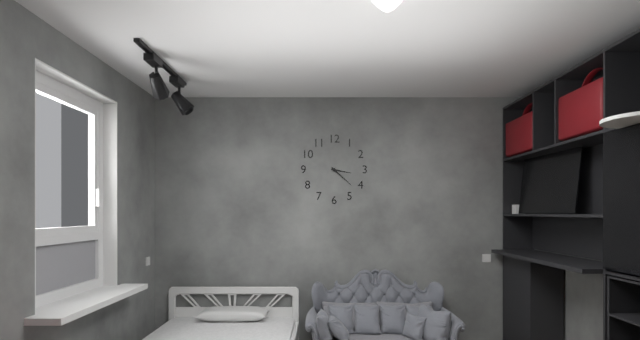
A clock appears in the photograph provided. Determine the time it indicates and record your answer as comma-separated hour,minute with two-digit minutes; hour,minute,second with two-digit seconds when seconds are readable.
3,22
